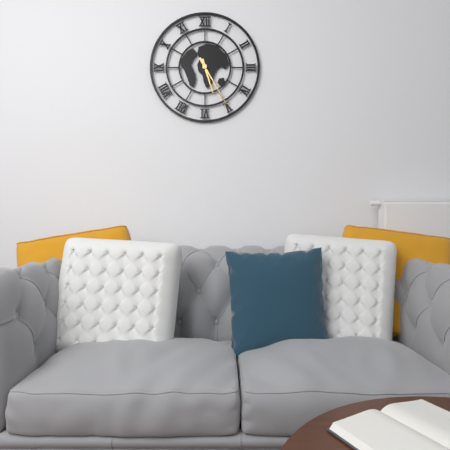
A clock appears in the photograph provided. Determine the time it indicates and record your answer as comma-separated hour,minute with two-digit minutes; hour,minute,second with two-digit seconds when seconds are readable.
5,25
